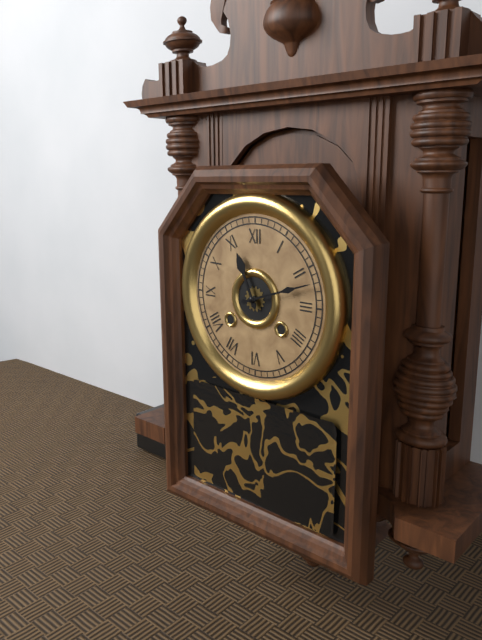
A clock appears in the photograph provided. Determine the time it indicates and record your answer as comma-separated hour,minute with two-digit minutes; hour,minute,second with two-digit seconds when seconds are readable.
11,12
